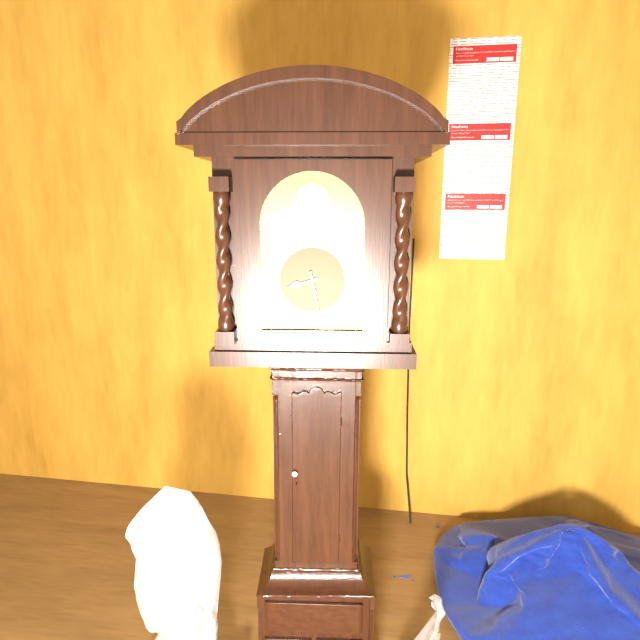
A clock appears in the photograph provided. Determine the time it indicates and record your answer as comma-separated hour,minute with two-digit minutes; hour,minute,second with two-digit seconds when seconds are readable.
8,28
